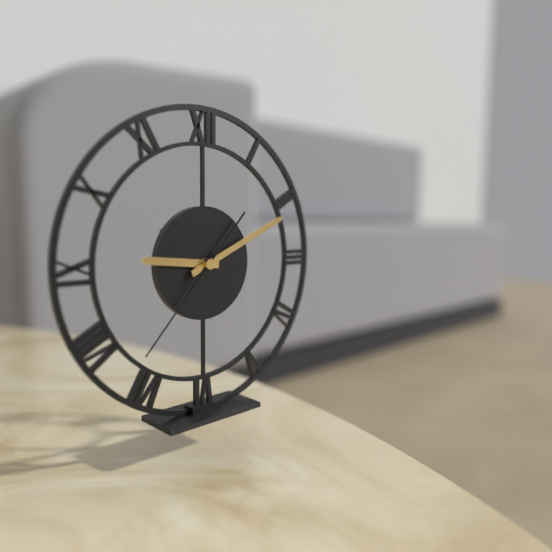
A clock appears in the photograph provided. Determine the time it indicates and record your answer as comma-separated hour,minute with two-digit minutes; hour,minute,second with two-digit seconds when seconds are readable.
9,11,37
